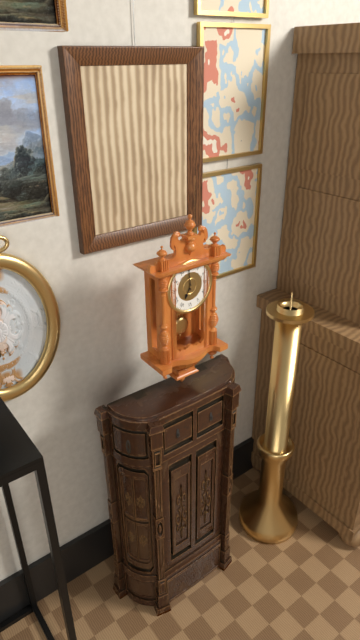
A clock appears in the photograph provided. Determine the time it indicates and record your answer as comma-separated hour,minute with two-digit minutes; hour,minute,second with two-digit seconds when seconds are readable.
6,59
